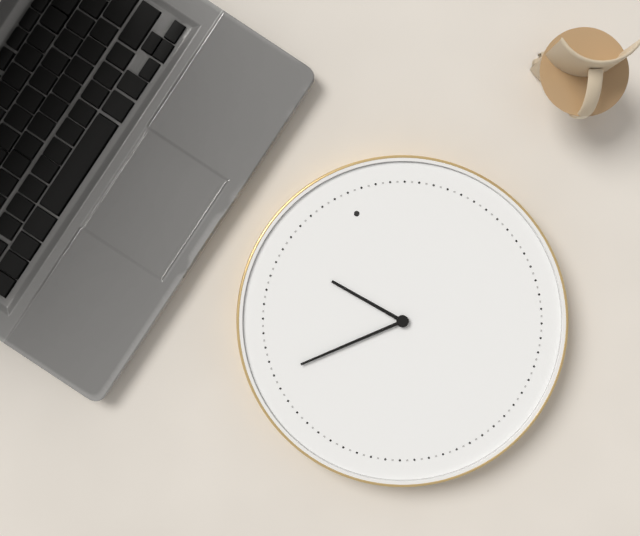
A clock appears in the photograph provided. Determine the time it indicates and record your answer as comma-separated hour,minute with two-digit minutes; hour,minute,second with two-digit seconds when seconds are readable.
10,45
